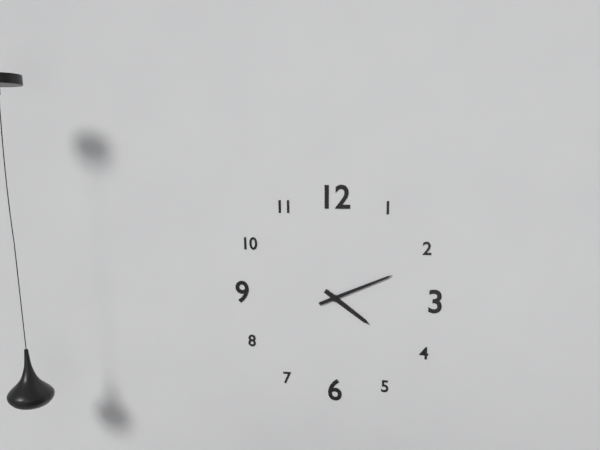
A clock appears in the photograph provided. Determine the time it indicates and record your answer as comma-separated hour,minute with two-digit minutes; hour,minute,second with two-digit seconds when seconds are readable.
4,11
